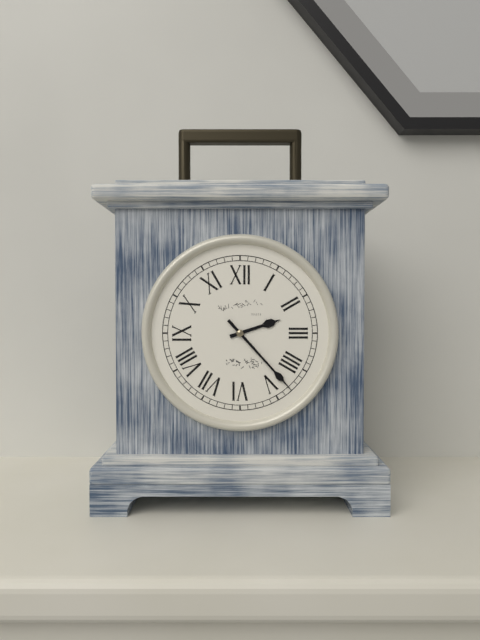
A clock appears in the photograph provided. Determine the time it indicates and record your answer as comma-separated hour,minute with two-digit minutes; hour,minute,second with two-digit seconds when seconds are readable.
2,23
